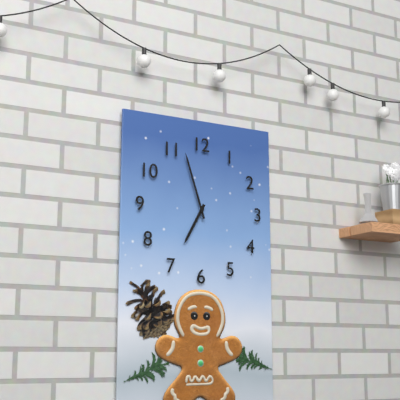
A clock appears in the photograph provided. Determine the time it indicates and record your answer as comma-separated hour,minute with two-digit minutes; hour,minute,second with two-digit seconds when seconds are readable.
6,57
